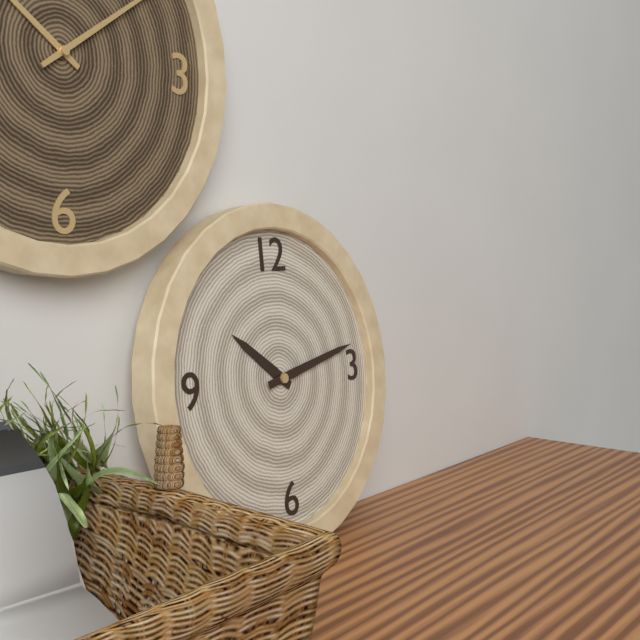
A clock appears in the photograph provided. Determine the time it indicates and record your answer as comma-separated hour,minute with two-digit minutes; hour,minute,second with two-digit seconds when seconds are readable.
10,13
